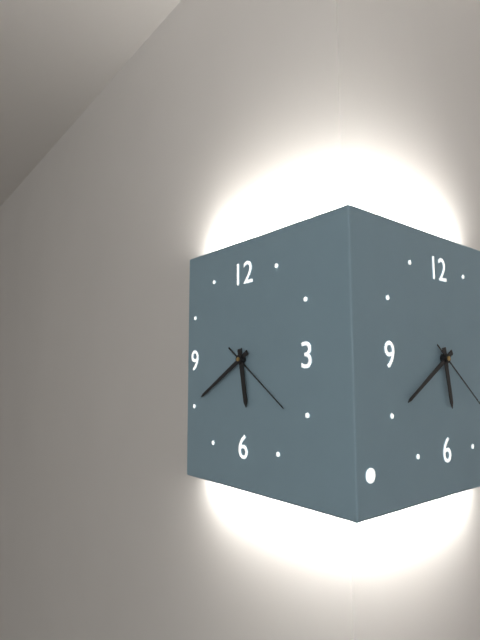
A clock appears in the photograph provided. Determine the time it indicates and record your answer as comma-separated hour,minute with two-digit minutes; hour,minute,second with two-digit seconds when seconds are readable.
5,40,21
